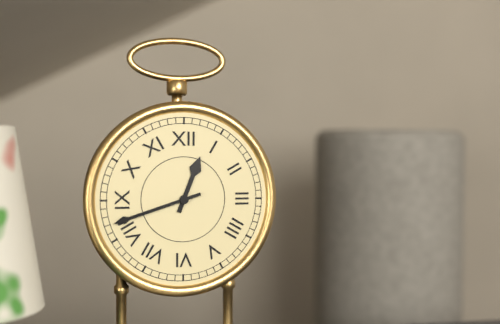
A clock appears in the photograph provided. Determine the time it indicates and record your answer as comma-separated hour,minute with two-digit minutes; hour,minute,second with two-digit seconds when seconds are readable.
12,42
